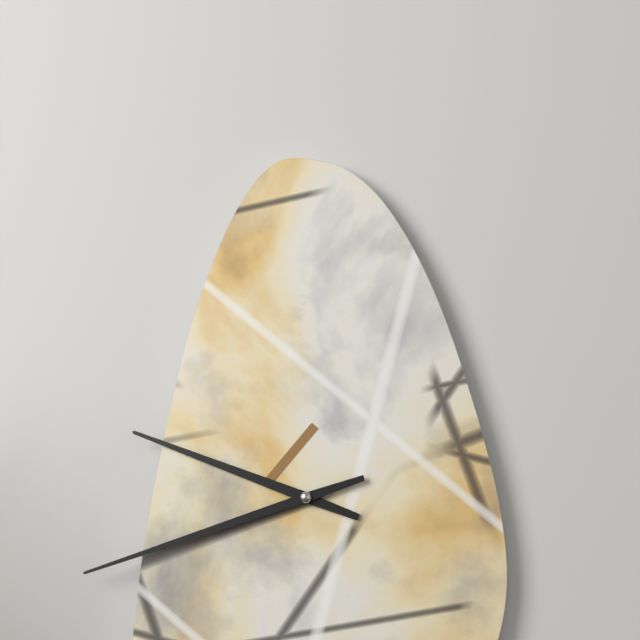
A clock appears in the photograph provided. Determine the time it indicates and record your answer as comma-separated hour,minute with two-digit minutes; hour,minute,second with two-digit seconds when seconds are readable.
9,42
